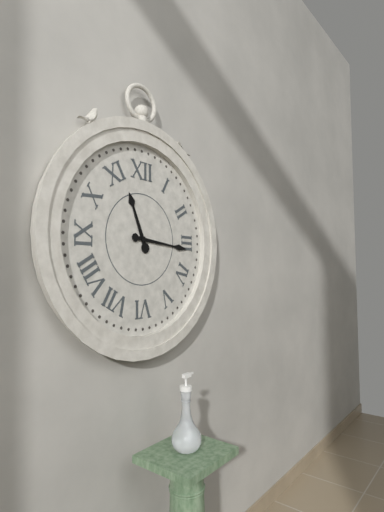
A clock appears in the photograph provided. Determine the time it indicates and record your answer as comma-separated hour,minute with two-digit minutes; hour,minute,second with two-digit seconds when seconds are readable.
11,16
